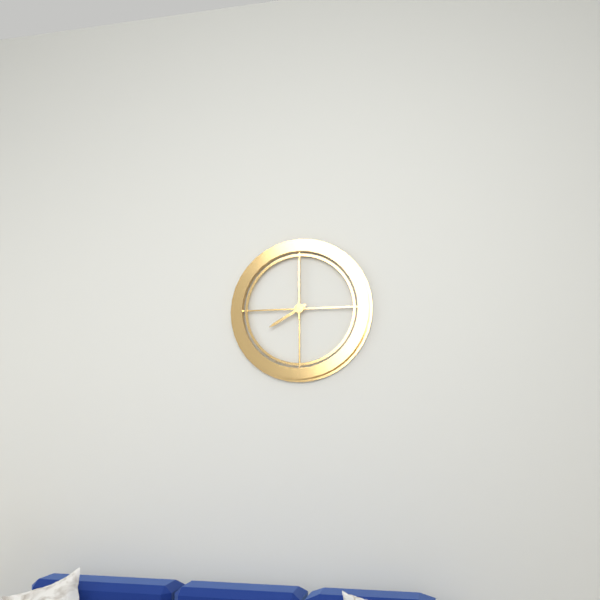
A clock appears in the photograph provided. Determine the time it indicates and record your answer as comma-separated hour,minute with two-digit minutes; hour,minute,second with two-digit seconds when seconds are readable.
8,00
